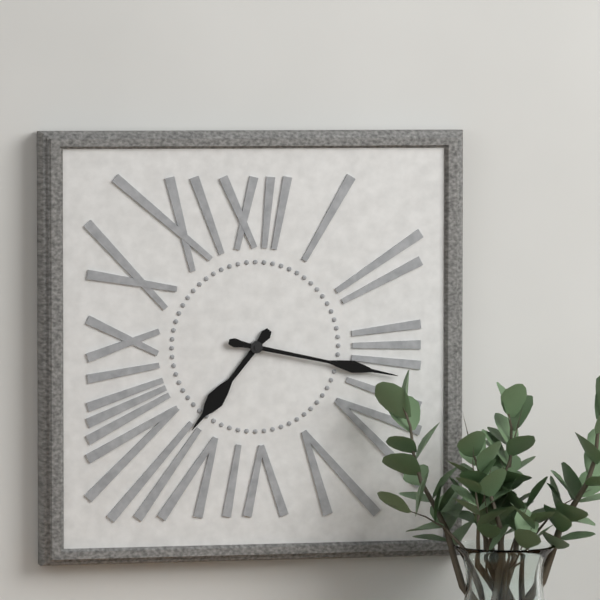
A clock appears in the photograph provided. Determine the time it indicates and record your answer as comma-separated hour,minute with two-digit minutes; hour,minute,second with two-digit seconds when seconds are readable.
7,17
